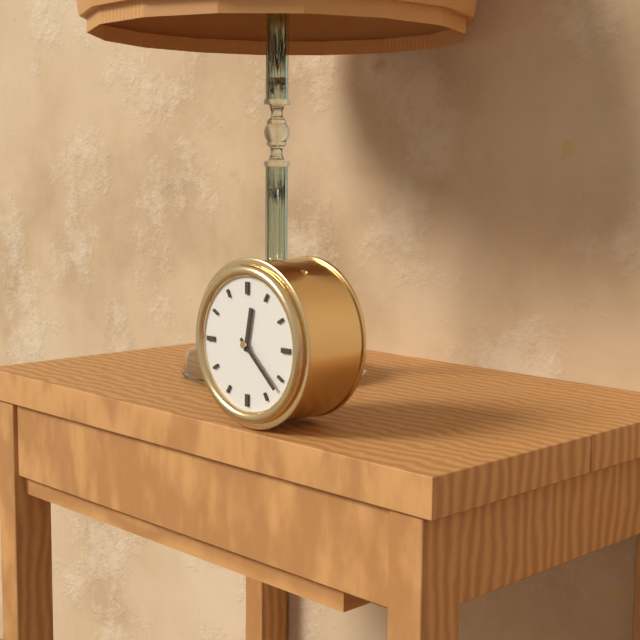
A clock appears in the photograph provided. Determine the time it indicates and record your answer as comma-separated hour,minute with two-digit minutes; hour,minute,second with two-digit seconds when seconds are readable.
12,22
